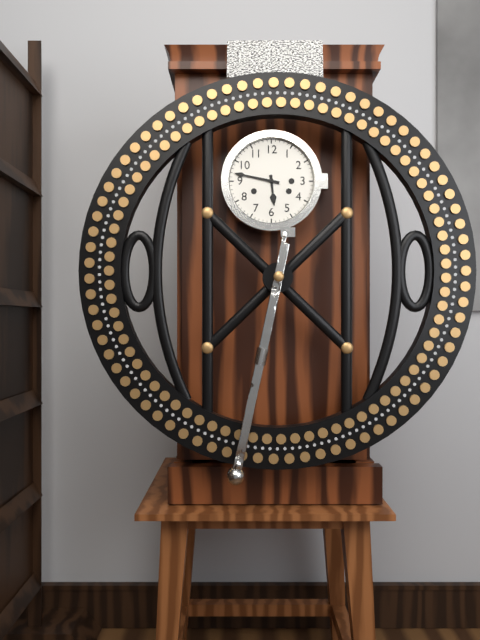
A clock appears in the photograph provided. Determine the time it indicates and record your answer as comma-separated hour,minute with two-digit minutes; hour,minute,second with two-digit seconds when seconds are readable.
5,47
